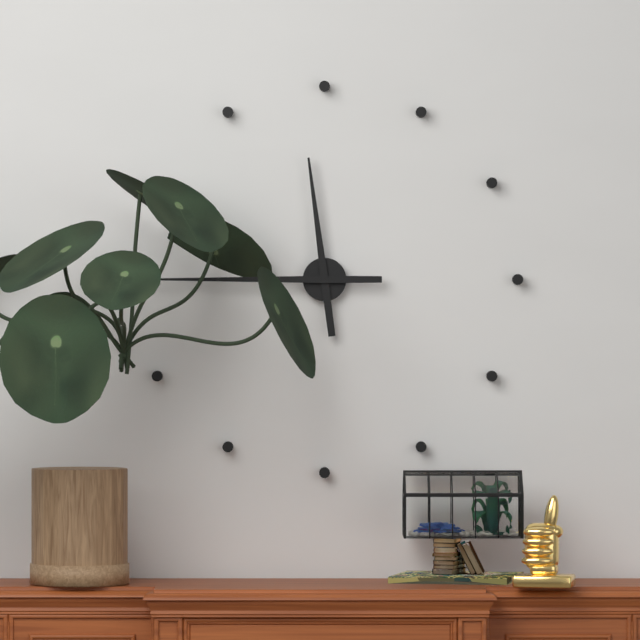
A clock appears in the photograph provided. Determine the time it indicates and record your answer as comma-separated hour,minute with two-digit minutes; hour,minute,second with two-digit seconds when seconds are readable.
11,45
